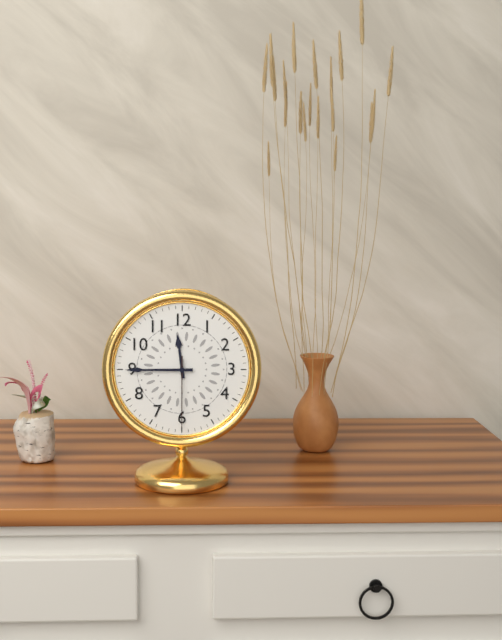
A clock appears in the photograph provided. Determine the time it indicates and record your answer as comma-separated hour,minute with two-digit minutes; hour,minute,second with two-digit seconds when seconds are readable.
11,45,30
